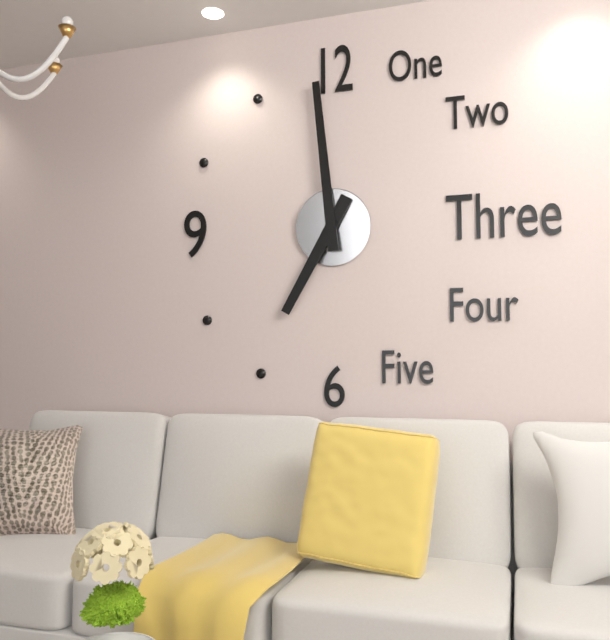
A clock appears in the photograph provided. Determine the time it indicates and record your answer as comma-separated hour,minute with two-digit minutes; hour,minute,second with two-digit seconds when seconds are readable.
6,59
